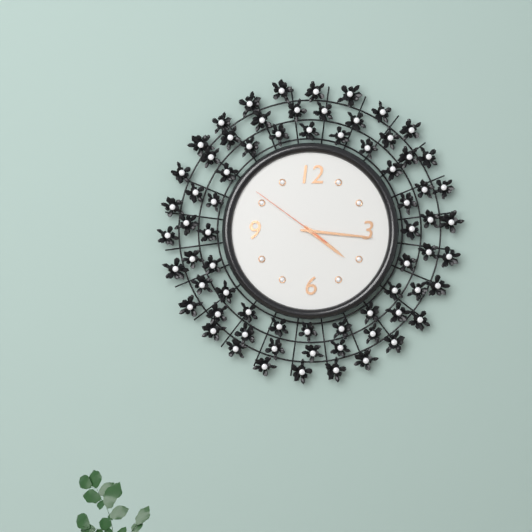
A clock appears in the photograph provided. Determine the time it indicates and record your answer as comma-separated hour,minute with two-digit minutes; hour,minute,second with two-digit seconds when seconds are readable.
4,16,51
